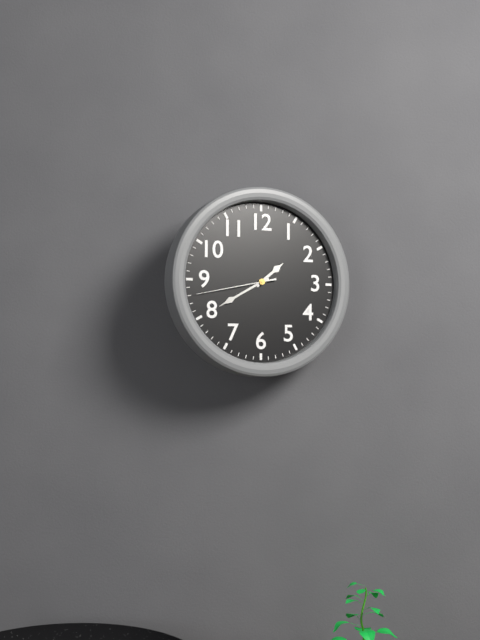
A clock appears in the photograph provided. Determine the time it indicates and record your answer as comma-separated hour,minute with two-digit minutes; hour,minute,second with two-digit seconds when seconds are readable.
1,40,43
